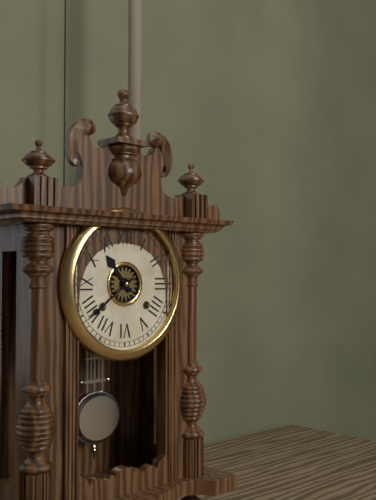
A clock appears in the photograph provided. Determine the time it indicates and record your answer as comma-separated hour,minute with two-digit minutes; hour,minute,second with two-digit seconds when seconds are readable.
10,39
